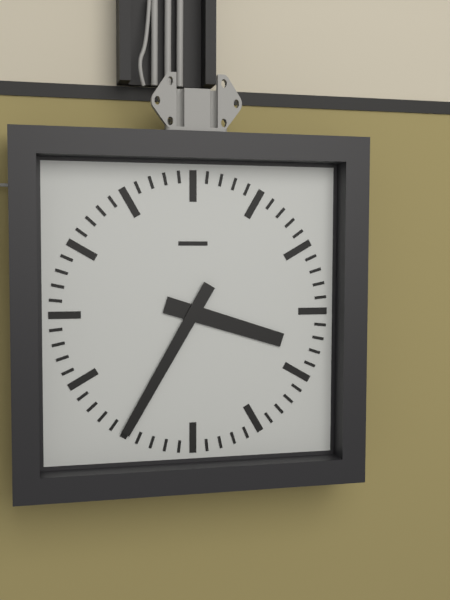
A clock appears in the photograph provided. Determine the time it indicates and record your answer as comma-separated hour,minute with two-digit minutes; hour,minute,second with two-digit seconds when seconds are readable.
3,35
